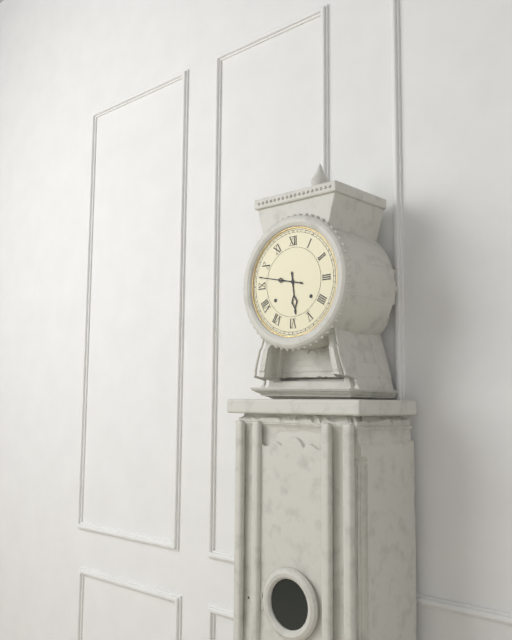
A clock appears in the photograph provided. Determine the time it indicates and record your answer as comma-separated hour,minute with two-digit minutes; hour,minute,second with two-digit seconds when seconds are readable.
5,47
